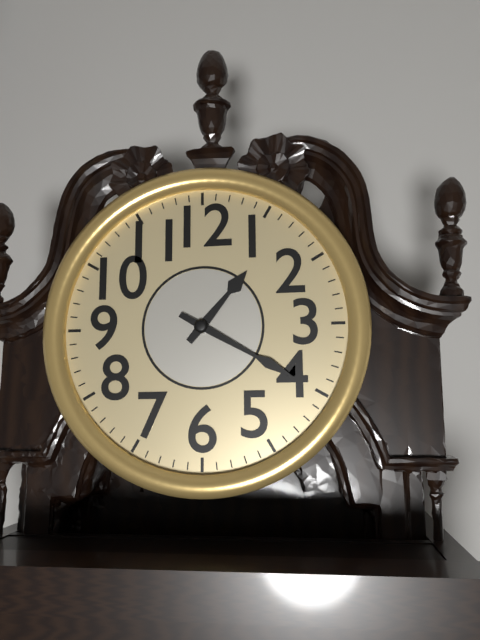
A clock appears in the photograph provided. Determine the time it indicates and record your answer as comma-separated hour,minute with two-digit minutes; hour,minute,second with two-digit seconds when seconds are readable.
1,20
